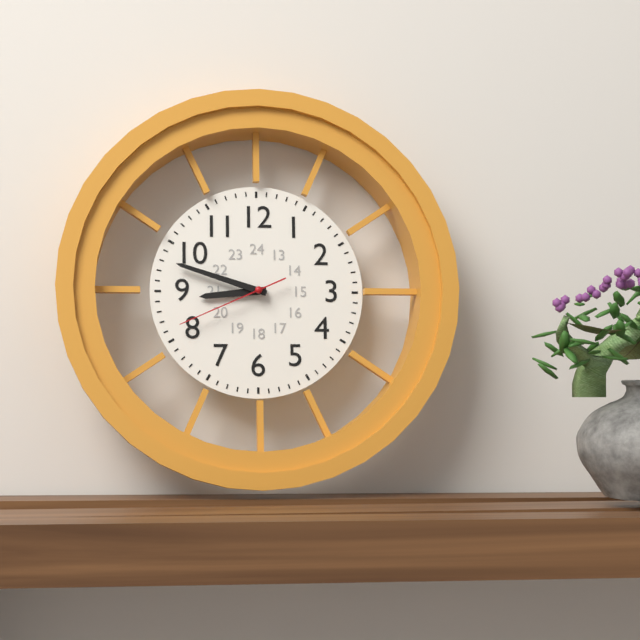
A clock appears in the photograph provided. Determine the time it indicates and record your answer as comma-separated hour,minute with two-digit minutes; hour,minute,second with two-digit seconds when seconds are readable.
8,48,41
